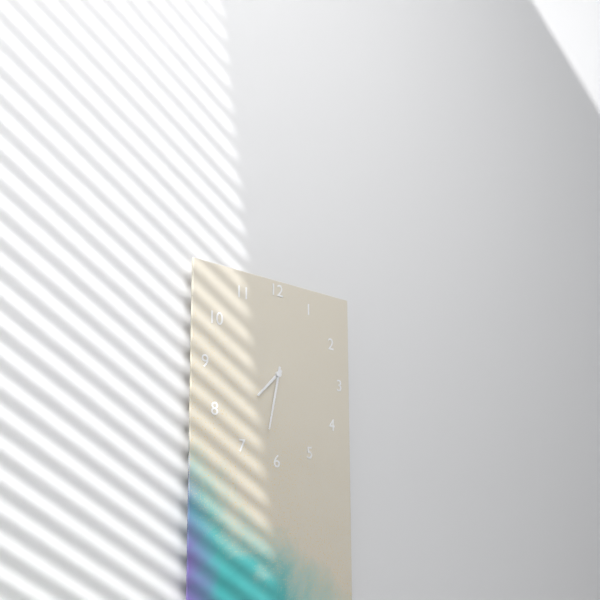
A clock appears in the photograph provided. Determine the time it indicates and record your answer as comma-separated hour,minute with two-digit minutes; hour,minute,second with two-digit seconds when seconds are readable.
7,32
